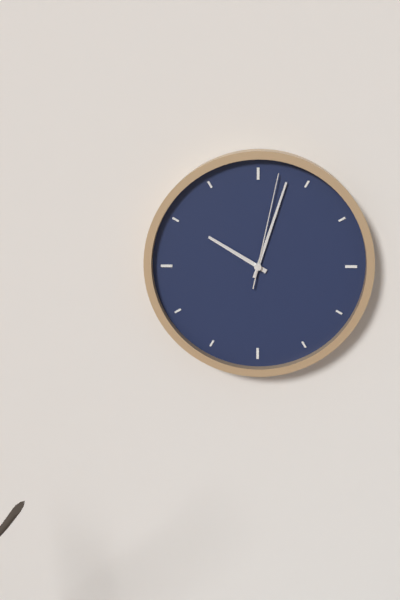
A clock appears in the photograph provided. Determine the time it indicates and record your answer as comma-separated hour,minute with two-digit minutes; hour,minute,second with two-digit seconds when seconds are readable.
10,03,02
